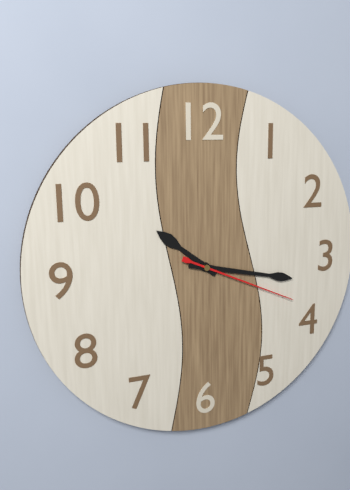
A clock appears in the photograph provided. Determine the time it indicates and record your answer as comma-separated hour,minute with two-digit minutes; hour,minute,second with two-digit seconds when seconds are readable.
10,17,19
